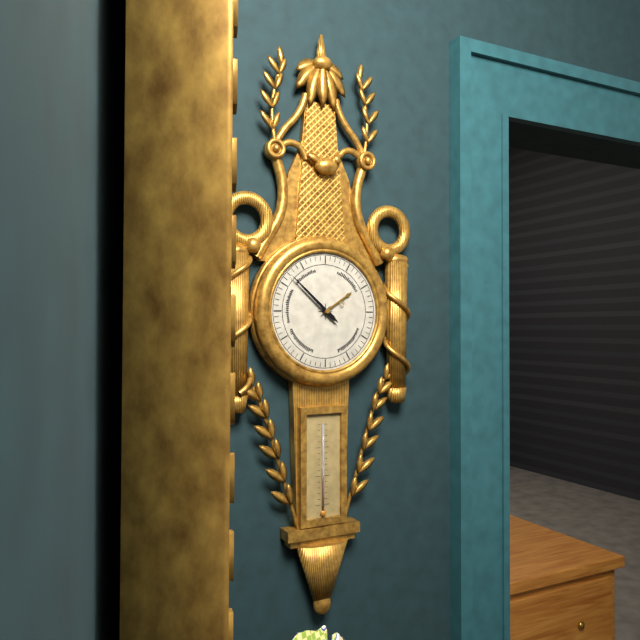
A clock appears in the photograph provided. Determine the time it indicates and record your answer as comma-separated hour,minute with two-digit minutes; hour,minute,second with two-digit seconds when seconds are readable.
1,52
